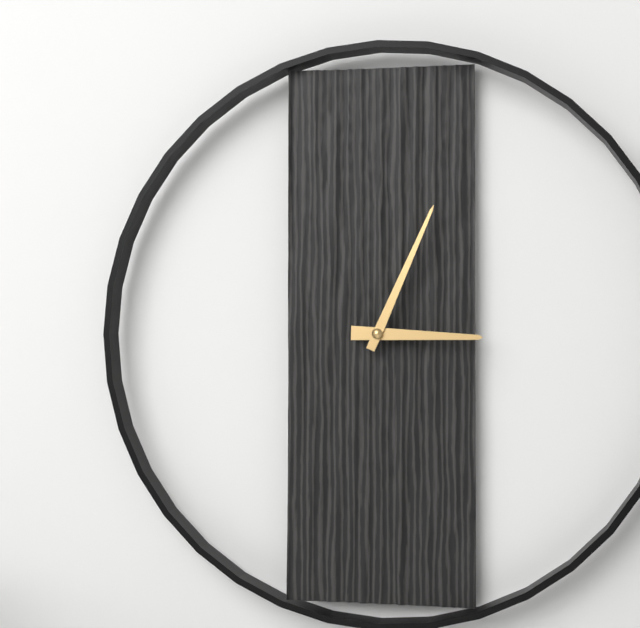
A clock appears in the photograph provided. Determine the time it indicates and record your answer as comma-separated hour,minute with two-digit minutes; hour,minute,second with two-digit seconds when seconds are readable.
3,04
